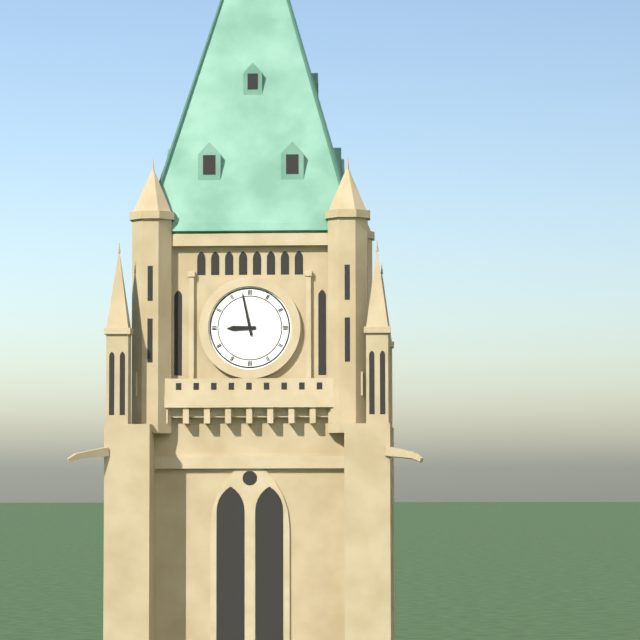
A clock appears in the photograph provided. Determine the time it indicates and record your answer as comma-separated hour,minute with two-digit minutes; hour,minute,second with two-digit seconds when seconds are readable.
8,58
